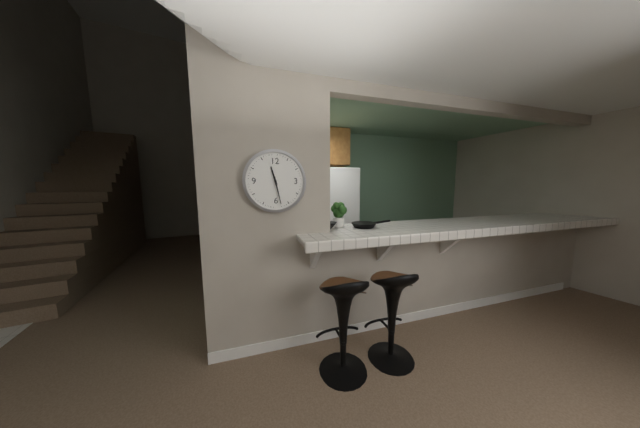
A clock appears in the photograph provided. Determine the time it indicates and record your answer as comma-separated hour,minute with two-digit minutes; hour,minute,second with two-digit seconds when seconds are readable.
11,28
